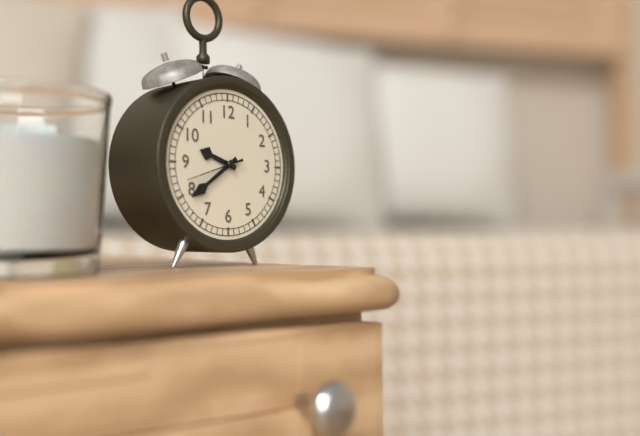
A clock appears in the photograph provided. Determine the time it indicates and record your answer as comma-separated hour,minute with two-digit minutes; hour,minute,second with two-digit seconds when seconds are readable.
9,39,42
